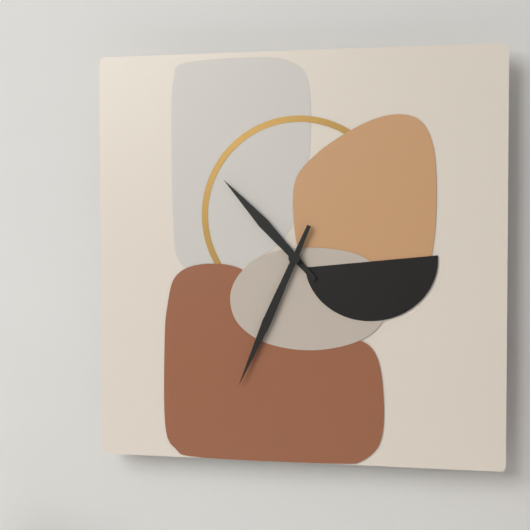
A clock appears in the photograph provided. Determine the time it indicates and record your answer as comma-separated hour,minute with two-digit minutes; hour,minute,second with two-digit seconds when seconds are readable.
10,34
